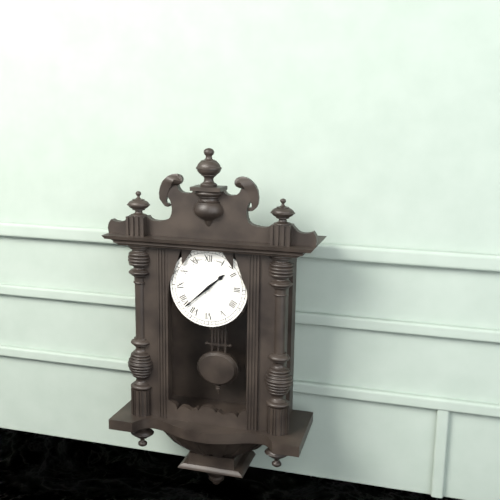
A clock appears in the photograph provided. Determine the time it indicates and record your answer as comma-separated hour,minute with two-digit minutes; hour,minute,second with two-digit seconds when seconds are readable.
1,38
